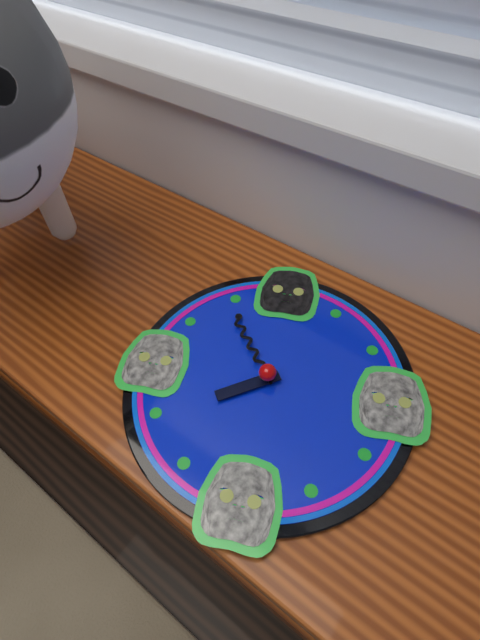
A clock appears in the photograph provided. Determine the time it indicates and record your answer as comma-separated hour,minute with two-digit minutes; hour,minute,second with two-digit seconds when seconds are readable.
7,54
